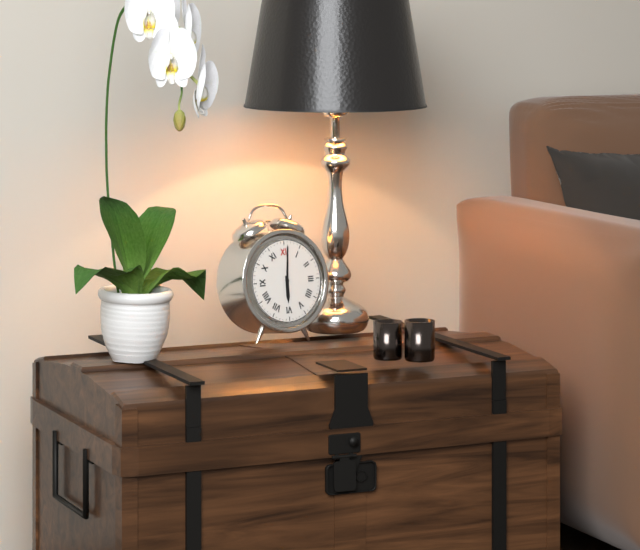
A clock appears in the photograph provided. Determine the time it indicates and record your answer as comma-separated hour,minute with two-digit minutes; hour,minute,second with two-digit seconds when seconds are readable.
6,01
